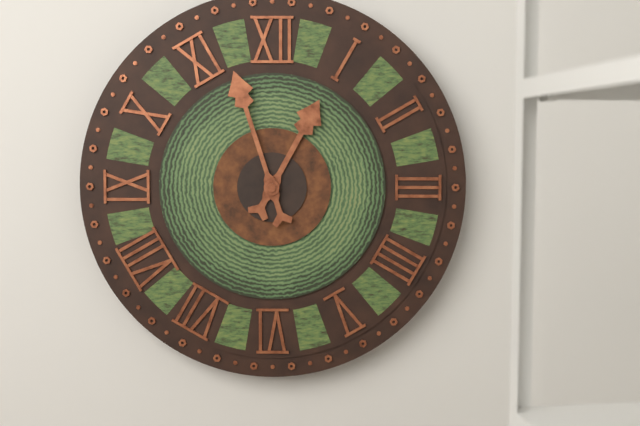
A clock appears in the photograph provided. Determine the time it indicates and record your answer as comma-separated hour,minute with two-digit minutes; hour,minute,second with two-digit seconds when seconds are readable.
12,57
